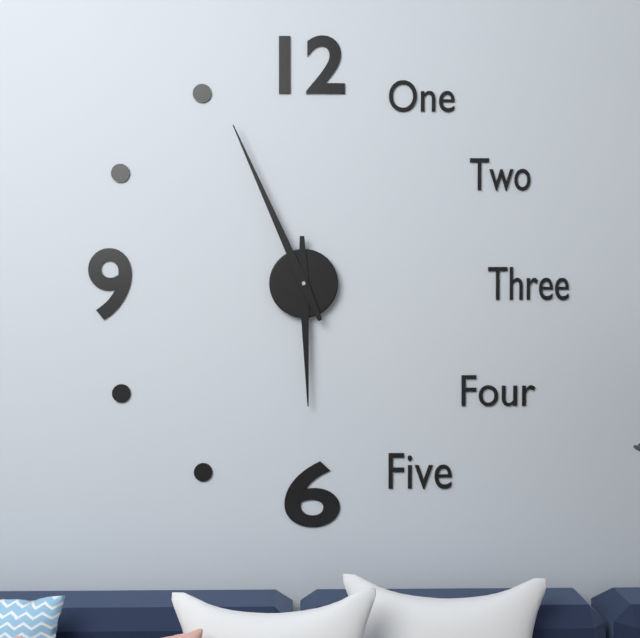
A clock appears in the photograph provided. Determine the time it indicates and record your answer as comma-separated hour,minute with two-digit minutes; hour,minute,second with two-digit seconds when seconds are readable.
5,56
